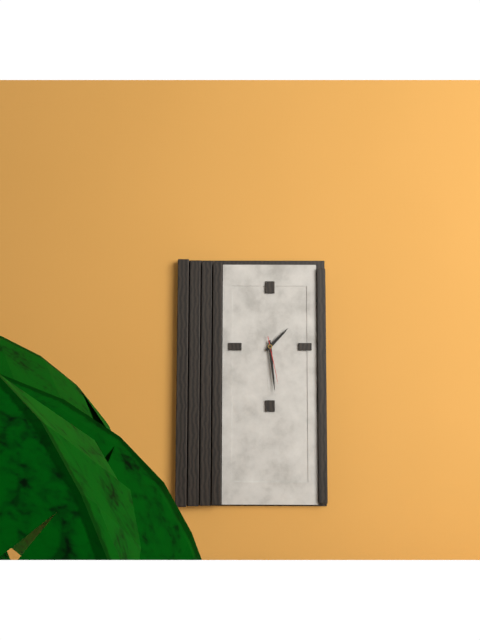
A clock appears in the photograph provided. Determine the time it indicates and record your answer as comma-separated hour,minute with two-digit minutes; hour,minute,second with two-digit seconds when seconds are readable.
1,29,28
